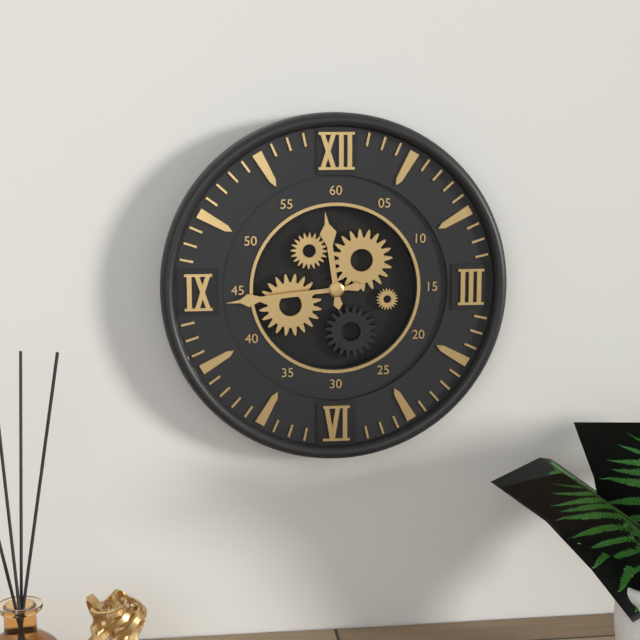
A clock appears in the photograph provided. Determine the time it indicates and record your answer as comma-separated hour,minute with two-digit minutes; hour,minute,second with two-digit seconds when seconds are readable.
11,44
